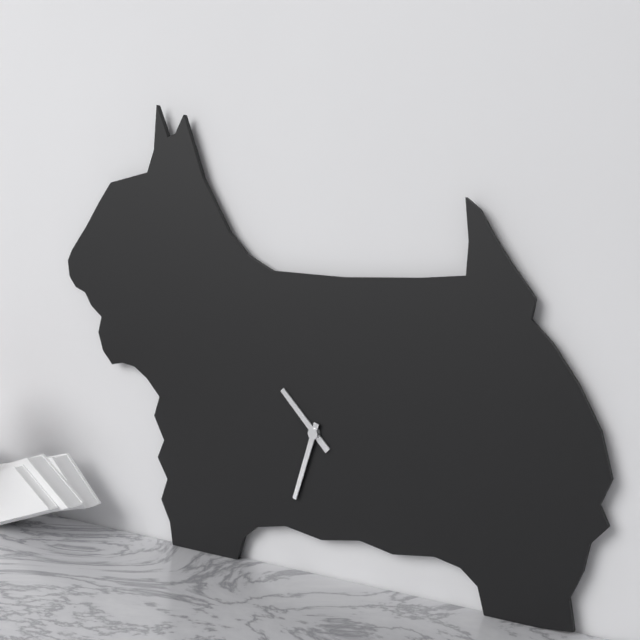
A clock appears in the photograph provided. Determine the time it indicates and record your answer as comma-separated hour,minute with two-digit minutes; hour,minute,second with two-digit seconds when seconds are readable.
10,33
